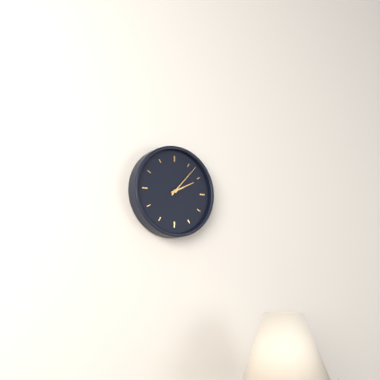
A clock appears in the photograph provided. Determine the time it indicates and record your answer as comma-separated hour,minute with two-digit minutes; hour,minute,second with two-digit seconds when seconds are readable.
2,07
